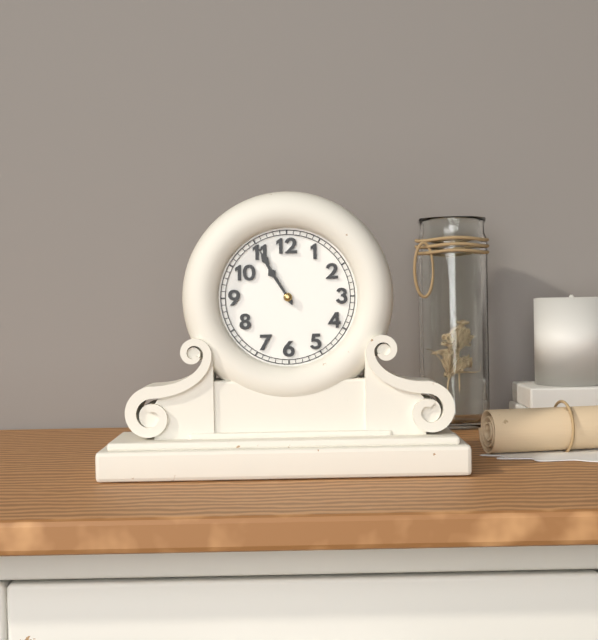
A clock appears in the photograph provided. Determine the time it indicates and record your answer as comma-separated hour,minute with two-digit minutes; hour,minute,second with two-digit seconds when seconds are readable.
10,55
